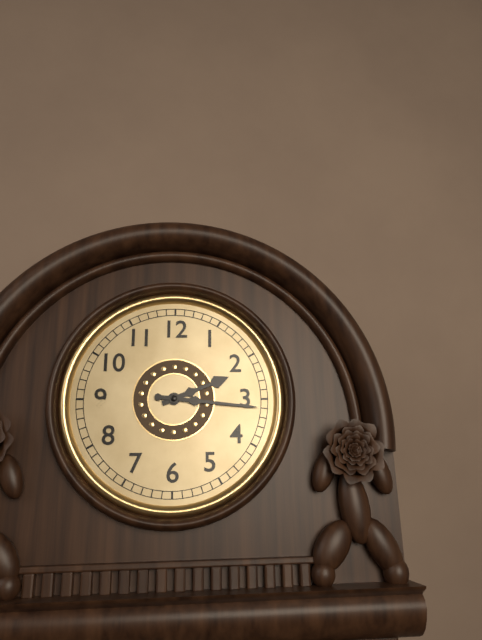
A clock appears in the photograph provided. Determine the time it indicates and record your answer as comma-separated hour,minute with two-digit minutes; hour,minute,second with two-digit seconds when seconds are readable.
2,16
